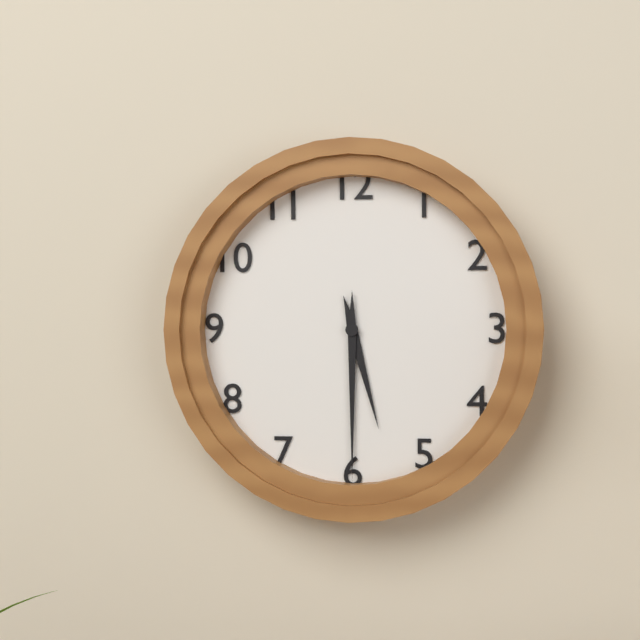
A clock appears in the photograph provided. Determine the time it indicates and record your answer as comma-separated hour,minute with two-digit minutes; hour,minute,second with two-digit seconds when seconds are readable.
5,30
